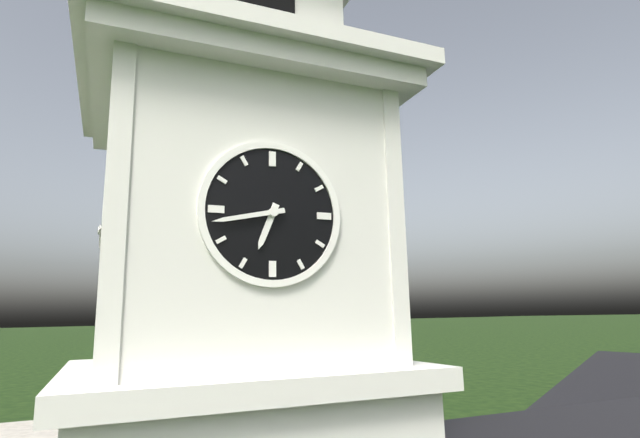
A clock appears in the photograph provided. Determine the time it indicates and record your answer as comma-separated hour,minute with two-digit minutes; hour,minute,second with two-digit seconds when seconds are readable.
6,43
